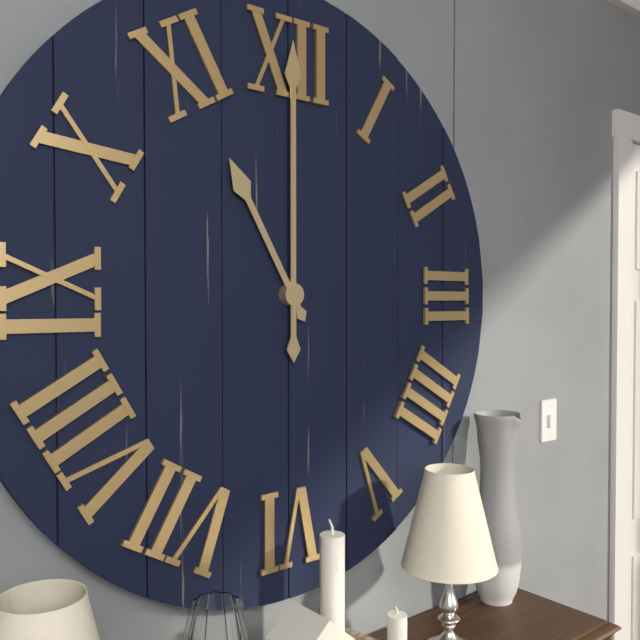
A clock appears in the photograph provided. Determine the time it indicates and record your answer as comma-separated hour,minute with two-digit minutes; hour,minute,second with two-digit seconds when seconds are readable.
11,00
